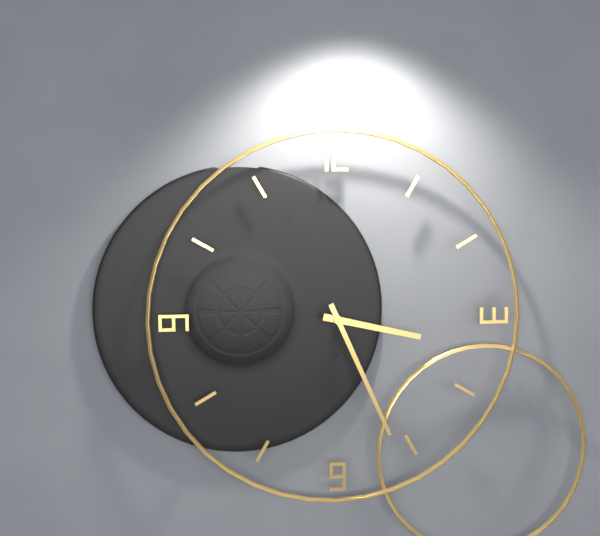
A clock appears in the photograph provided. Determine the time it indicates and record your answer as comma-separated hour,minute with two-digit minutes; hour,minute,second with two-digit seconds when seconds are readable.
3,26
